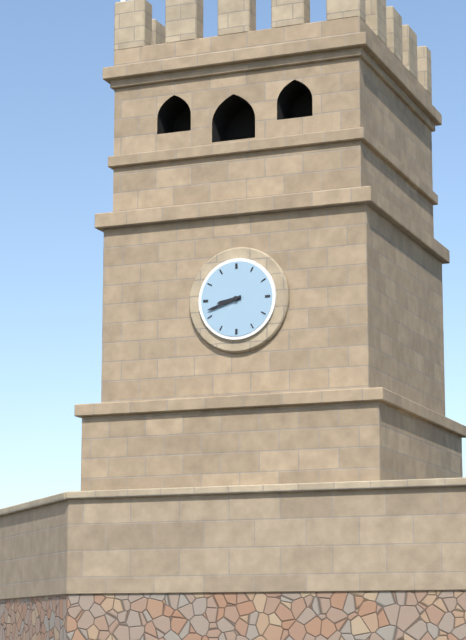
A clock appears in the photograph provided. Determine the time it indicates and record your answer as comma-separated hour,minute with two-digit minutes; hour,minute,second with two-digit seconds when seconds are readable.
8,42
